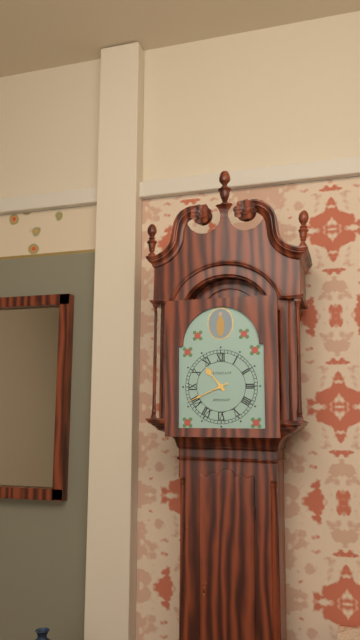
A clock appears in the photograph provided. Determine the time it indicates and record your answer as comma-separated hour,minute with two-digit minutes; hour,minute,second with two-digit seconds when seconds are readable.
10,41
